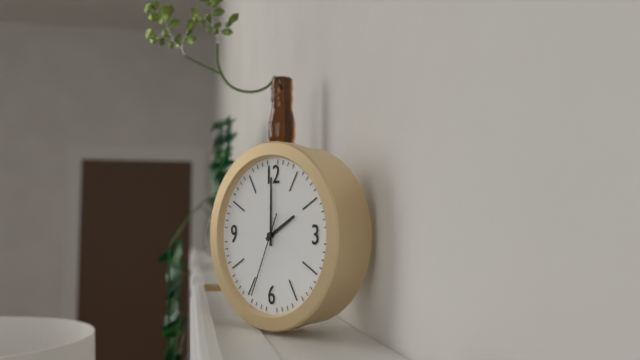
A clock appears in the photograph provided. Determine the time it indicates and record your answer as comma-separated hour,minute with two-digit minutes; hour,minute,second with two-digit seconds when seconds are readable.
2,00,34
